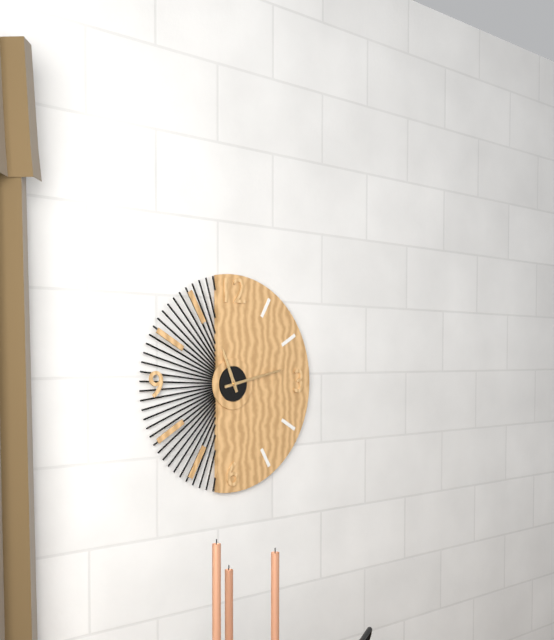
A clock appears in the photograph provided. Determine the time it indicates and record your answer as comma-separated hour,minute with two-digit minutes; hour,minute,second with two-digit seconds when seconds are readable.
11,13
